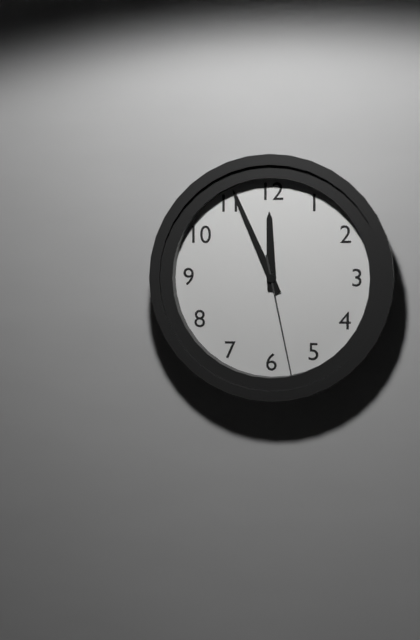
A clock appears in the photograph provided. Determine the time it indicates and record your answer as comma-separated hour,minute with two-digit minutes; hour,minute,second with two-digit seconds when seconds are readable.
11,56,28
